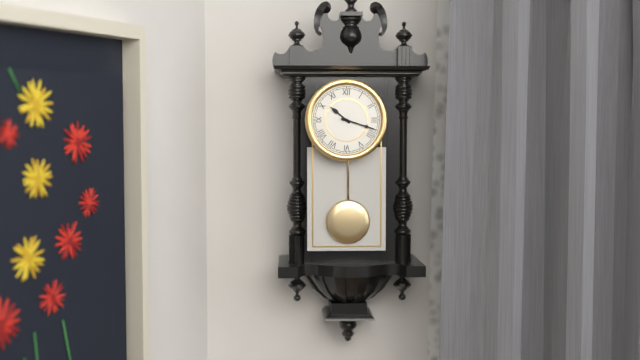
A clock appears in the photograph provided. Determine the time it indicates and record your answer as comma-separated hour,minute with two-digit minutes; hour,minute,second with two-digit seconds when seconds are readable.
10,18
